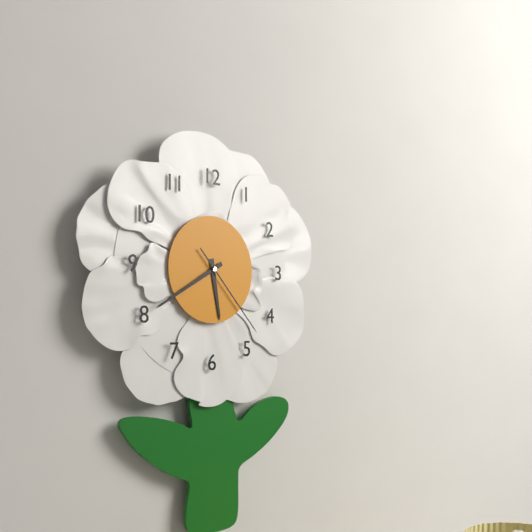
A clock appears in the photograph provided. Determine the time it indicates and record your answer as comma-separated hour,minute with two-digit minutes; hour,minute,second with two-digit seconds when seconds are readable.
5,40,23
